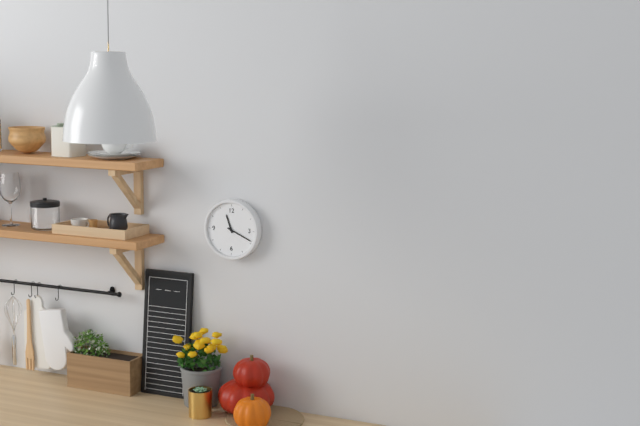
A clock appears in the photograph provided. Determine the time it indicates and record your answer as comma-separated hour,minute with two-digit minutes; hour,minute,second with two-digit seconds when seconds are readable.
11,19
